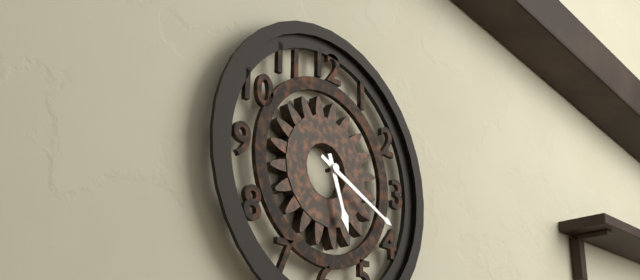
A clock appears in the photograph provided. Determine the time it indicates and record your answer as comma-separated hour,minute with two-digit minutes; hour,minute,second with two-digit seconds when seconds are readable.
5,19
